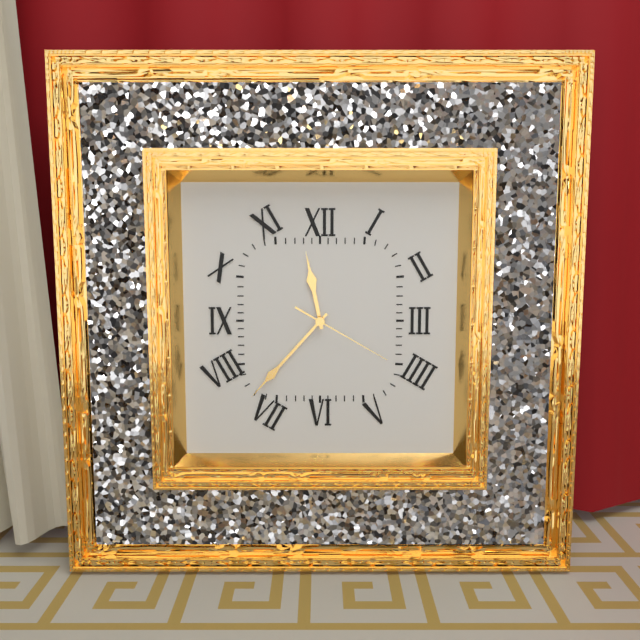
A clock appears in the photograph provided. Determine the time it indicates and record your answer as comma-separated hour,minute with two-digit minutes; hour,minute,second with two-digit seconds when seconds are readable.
11,37,20
